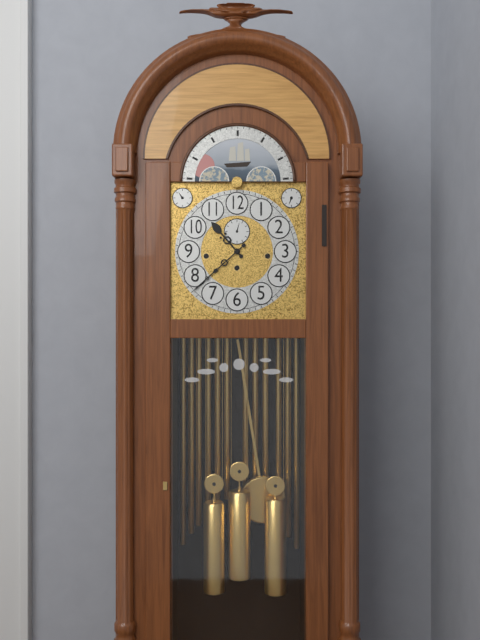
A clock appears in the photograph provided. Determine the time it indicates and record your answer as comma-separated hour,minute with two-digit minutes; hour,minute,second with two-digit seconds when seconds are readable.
10,38
